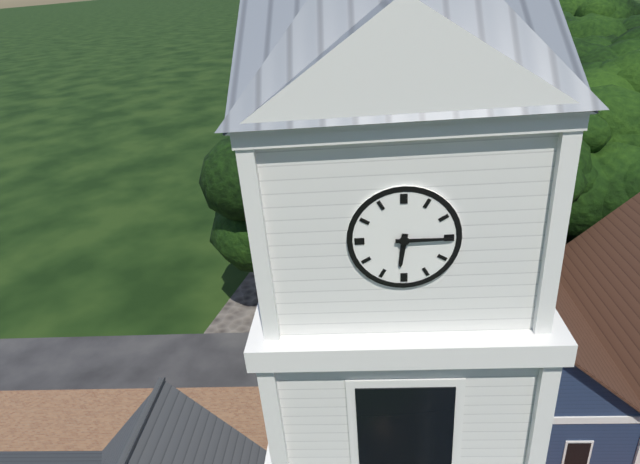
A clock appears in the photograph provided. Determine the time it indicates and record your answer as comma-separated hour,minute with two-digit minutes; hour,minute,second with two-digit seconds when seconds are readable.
6,15
